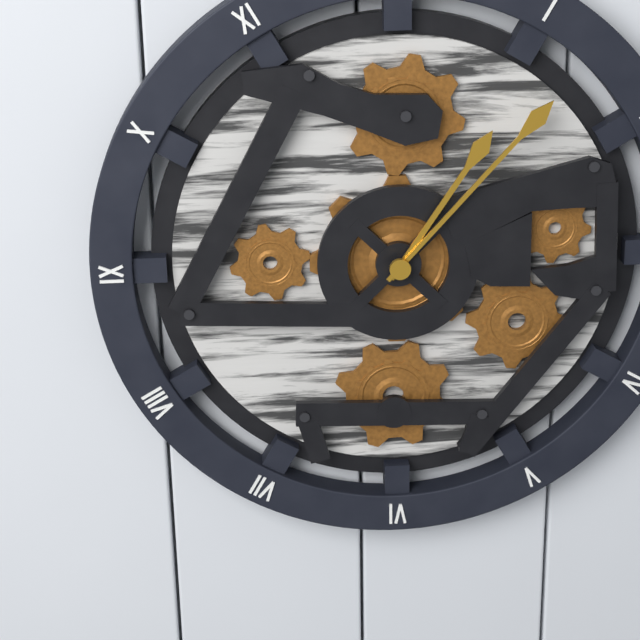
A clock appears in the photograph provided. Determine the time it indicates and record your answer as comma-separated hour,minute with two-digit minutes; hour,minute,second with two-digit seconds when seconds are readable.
1,07
